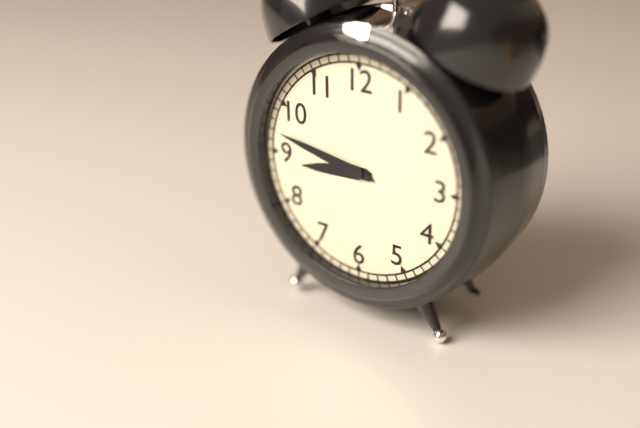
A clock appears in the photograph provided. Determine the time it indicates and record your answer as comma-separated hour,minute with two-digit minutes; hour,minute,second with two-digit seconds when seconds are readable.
8,47
